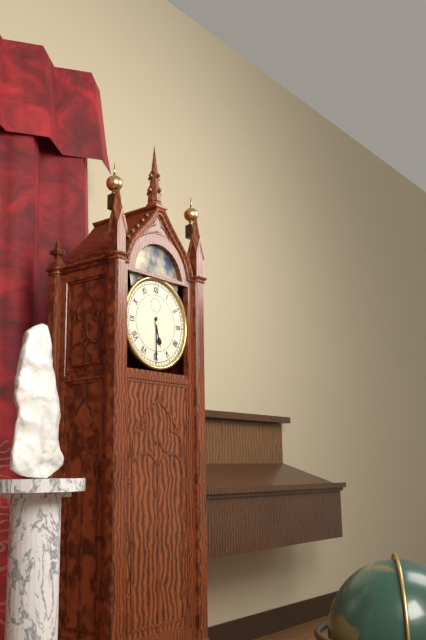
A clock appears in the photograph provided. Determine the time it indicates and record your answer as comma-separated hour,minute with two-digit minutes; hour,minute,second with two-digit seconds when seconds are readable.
5,30
